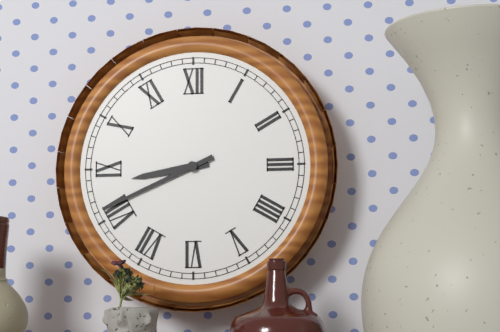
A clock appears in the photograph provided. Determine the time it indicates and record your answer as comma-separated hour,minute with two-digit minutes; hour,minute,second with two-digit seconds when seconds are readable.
8,41
